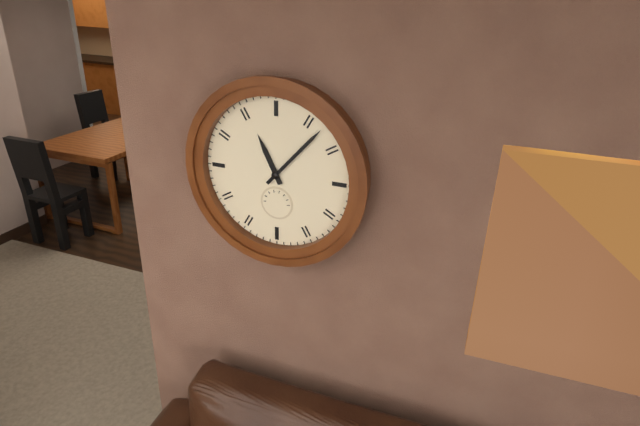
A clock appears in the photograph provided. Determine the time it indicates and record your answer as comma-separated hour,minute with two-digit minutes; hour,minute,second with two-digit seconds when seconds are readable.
11,07
